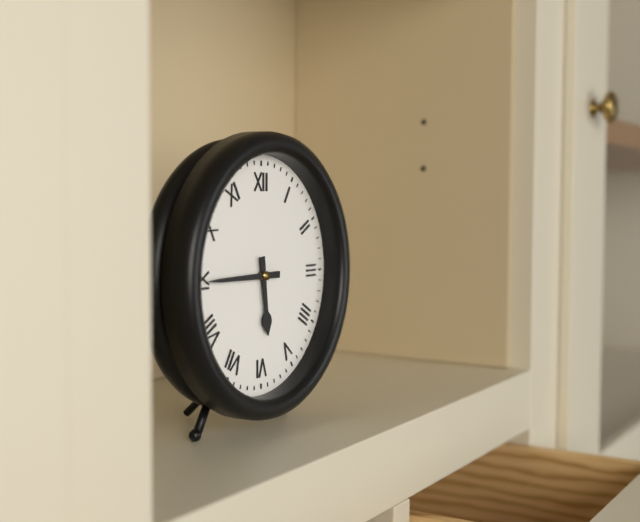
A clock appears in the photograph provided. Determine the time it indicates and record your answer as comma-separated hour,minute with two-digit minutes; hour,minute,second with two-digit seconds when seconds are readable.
5,45
